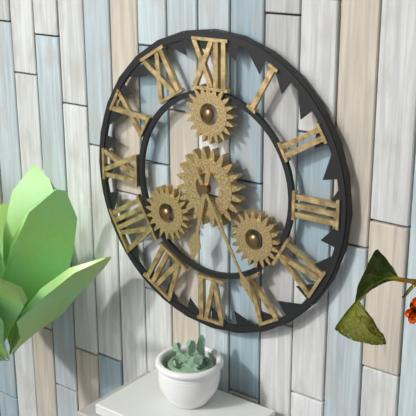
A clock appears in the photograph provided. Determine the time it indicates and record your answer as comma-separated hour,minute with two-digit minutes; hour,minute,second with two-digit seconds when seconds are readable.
6,25
